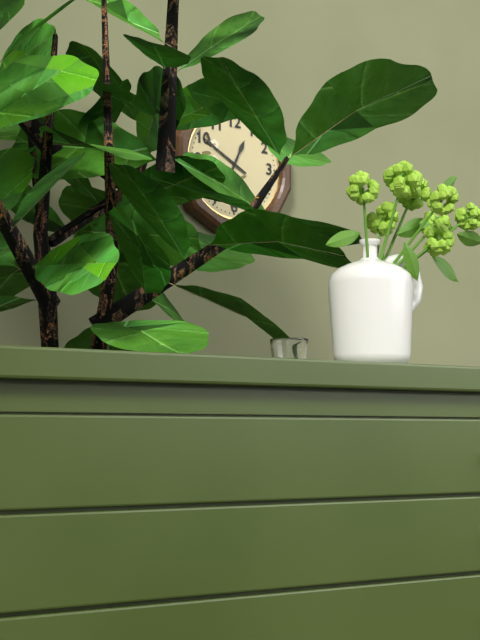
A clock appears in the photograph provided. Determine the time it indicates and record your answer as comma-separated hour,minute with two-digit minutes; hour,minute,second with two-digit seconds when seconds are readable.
12,50
